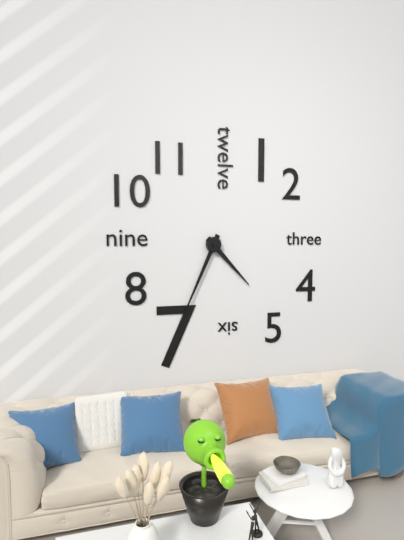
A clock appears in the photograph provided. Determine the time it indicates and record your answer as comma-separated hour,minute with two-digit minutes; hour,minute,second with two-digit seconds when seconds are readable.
4,34
